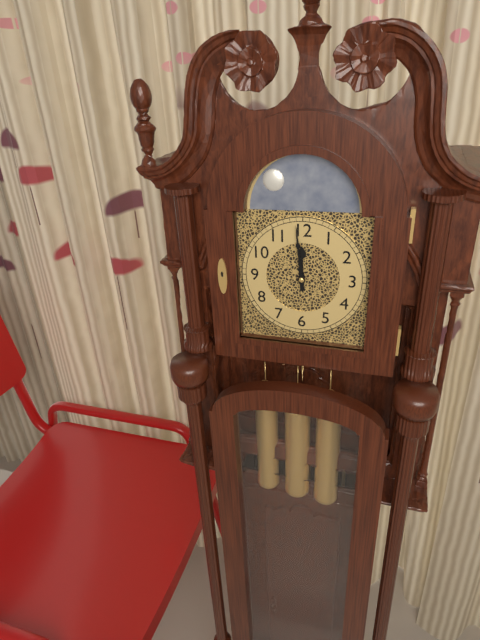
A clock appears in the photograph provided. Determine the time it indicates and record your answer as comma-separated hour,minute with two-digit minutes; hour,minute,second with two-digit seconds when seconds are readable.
11,59
